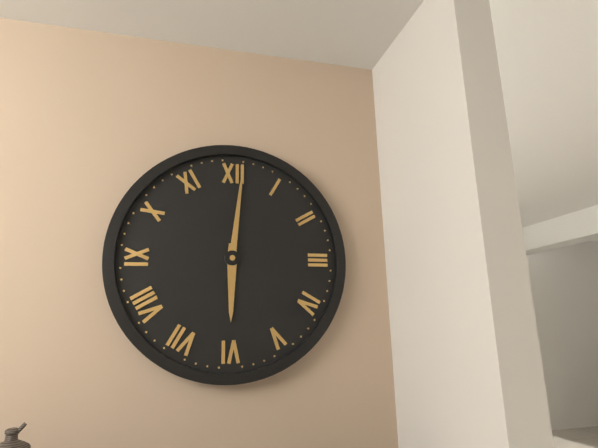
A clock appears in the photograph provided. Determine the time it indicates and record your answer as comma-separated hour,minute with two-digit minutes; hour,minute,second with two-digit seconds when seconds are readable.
6,01
